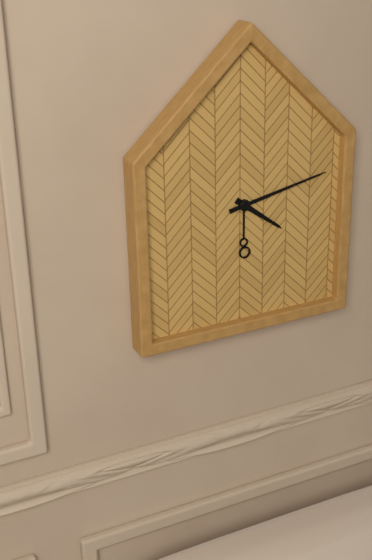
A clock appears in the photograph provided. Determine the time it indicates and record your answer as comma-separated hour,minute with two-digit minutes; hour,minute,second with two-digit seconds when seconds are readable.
4,13
